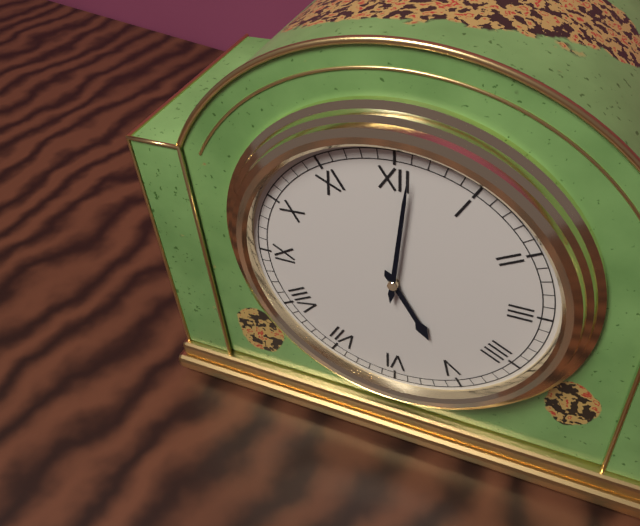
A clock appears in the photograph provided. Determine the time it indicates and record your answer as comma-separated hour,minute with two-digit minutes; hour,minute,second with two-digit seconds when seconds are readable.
5,01
